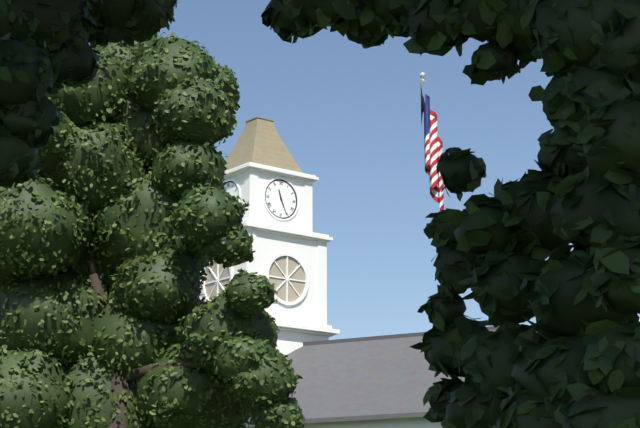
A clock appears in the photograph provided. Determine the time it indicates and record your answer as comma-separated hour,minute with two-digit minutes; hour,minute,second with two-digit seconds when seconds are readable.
11,26
